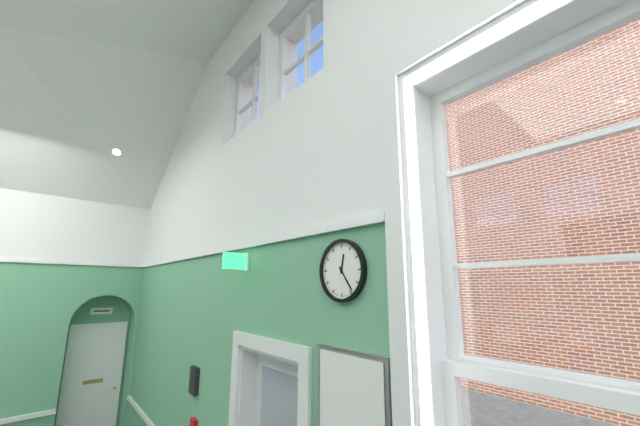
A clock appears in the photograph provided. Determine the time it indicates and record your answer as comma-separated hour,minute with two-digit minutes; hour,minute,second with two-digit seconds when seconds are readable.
12,24
